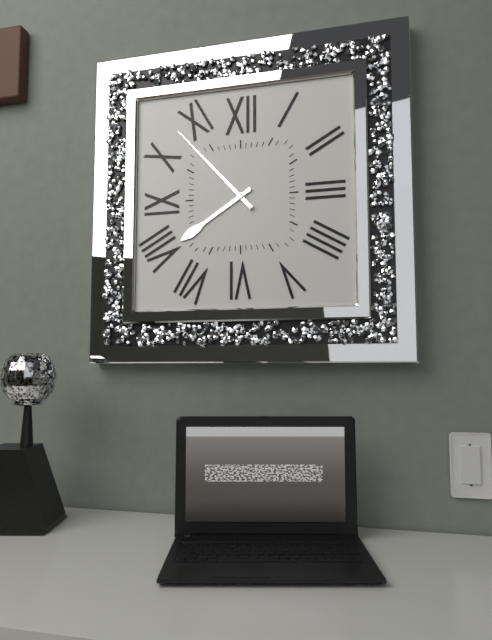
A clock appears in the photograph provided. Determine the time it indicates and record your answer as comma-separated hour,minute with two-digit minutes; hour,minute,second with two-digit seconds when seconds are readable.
7,53
